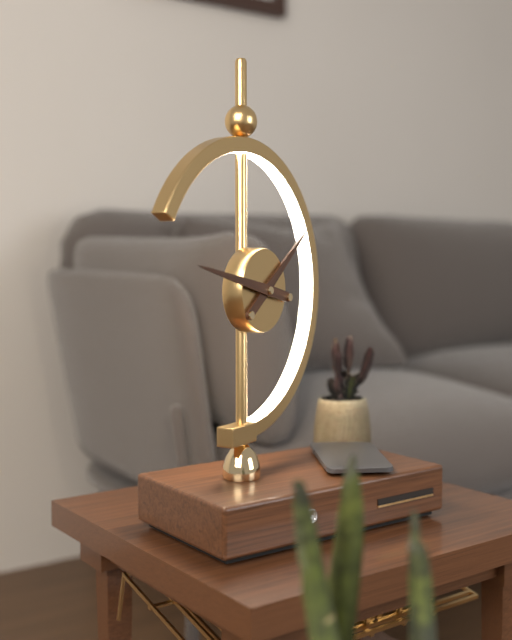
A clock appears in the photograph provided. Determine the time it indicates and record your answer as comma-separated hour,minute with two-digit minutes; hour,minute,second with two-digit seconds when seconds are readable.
1,47
